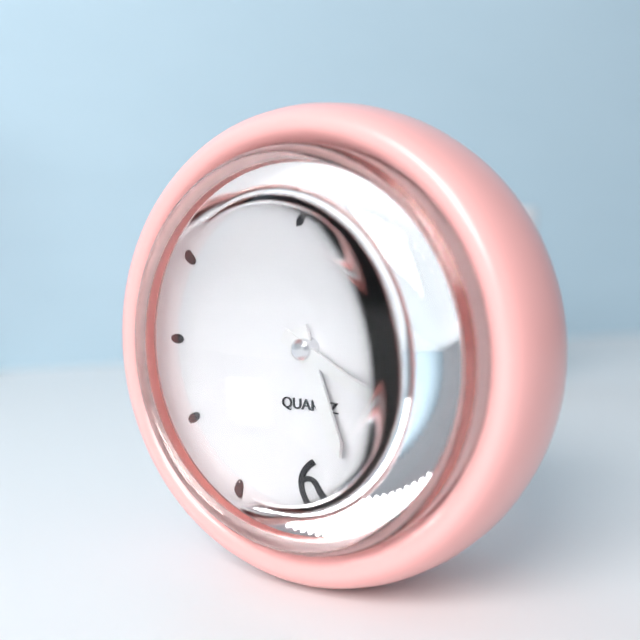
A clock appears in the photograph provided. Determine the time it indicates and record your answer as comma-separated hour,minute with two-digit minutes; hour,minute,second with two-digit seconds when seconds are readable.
5,20
